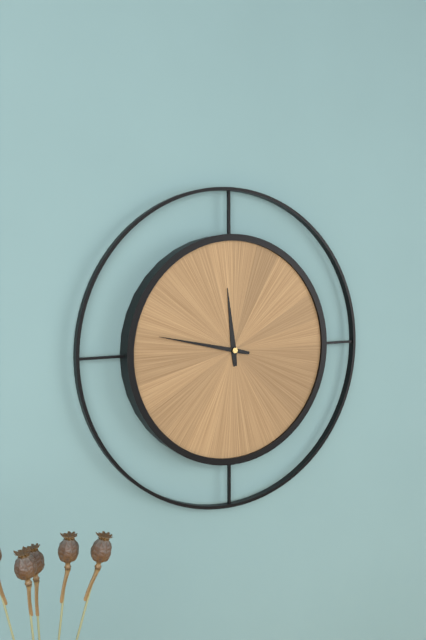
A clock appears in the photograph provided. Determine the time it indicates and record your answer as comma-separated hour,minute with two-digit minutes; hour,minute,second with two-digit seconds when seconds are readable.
11,47
